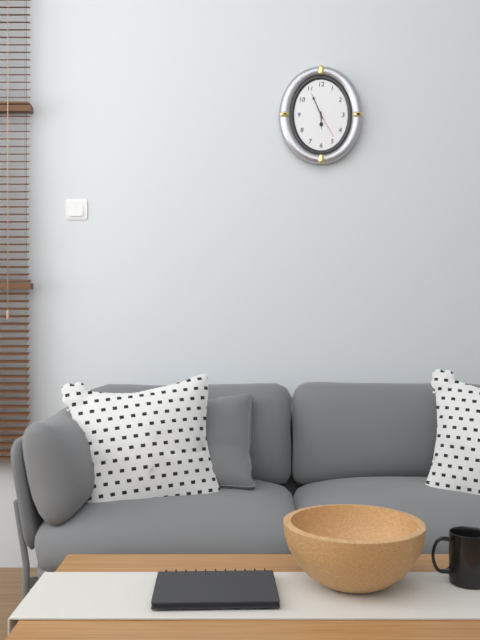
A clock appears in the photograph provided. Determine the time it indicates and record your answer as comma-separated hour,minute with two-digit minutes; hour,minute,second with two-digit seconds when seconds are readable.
5,56
